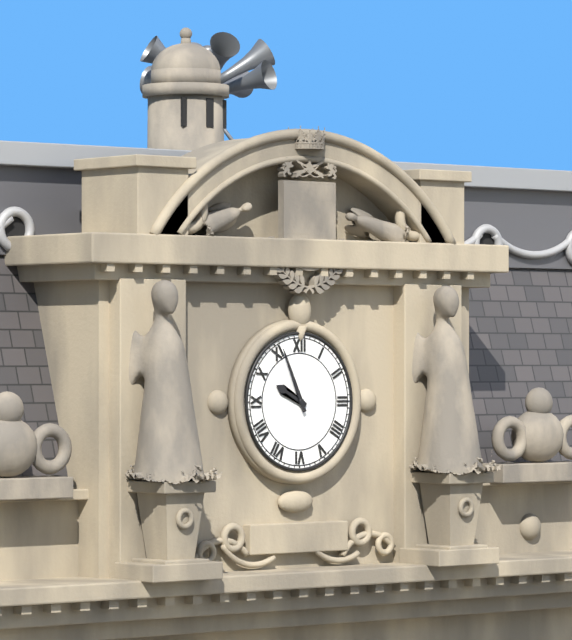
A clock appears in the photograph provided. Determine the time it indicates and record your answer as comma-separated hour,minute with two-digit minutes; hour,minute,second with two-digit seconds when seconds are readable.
9,56
